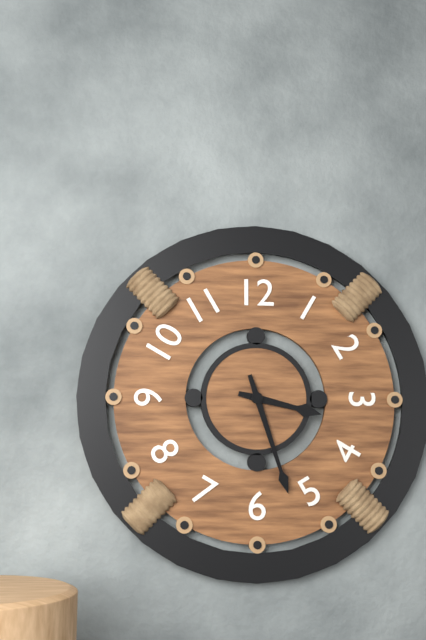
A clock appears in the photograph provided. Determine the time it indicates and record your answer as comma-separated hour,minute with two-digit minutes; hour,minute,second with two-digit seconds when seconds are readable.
3,27
